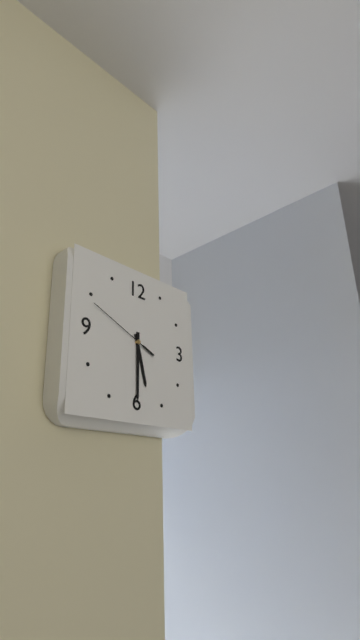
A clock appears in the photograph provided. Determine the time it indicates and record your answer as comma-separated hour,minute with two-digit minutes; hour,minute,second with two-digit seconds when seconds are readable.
5,30,49
